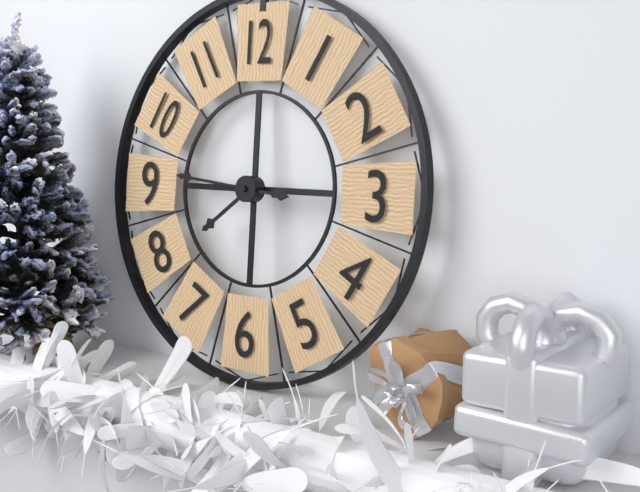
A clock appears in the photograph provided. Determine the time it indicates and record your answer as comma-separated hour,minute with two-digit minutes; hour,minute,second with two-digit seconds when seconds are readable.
7,46
